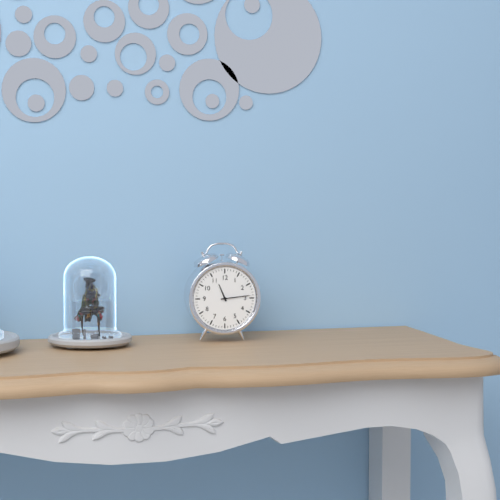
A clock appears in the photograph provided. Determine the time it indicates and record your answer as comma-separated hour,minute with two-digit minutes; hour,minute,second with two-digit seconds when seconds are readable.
11,14
